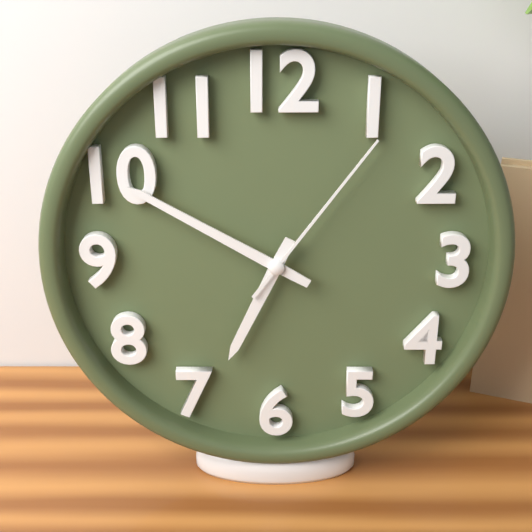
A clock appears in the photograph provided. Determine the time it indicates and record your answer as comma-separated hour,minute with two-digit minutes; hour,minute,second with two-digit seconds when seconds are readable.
6,50,06
